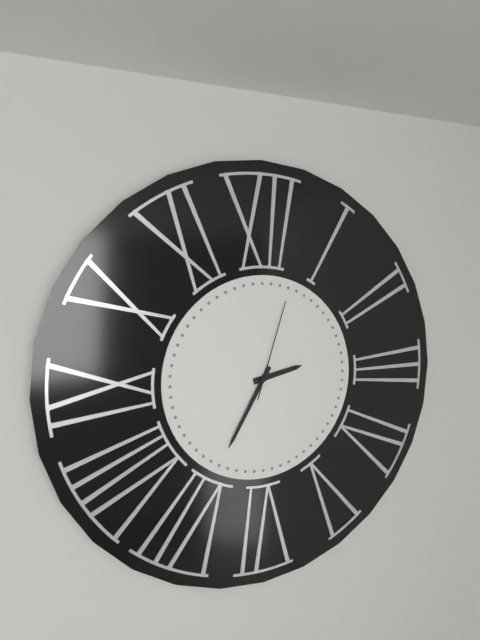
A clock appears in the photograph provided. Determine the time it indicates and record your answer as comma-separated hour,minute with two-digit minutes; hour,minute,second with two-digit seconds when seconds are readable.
2,35,03
